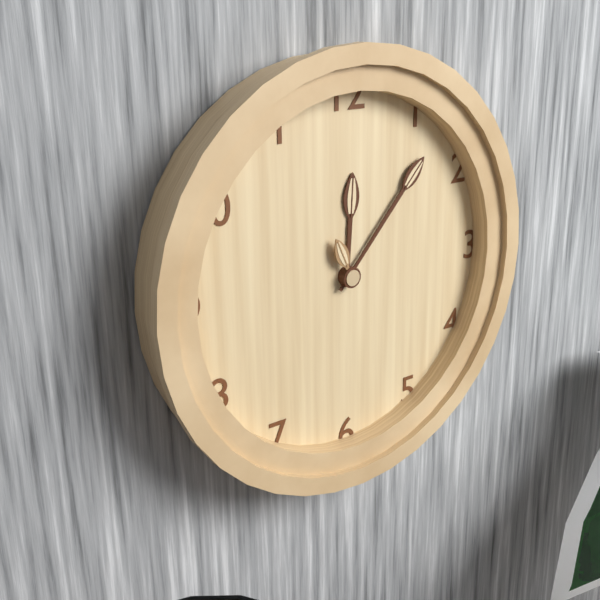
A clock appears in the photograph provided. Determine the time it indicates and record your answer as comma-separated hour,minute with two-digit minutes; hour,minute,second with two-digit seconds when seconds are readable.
12,07,56
